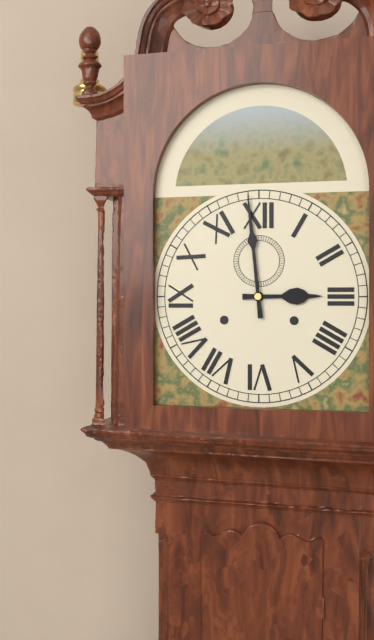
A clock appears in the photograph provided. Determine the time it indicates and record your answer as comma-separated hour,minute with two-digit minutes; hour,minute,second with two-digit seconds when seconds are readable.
2,59
